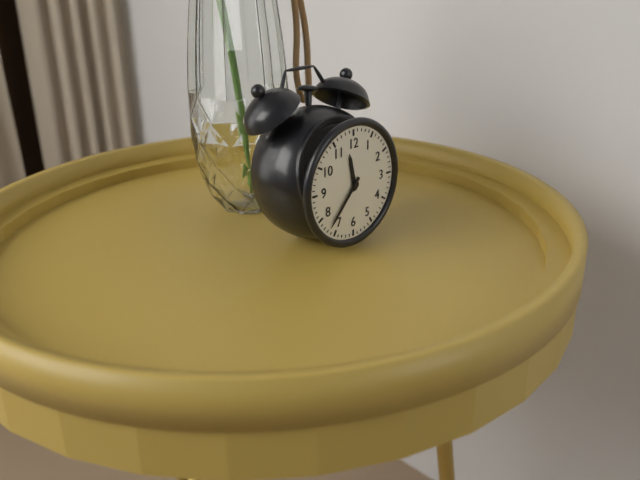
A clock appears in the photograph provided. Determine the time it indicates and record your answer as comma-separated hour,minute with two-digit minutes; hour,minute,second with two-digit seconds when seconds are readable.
11,37
